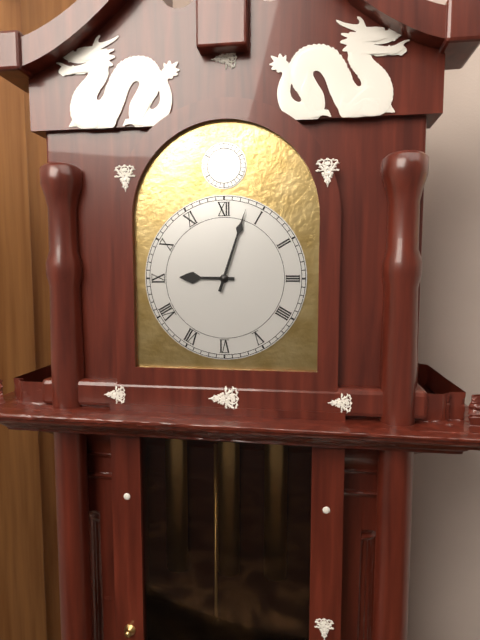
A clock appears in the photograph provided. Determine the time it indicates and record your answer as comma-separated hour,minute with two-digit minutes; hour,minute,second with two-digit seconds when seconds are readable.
9,03
